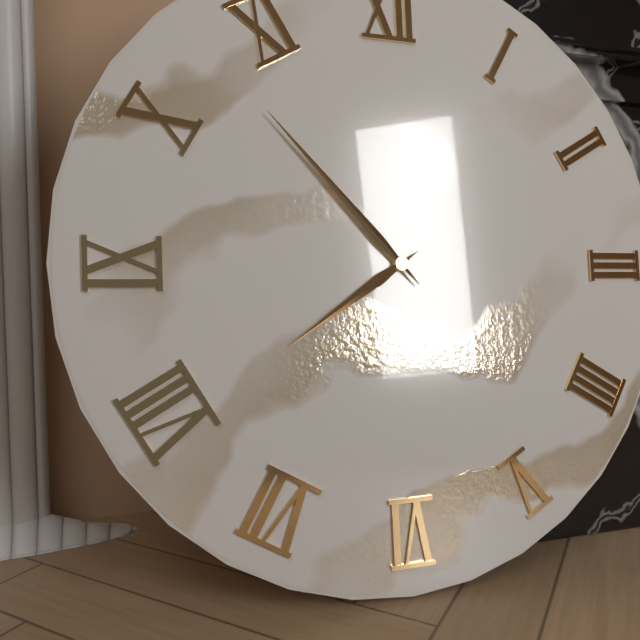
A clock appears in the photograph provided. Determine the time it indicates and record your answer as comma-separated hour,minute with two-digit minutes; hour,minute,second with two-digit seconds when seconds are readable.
7,53
